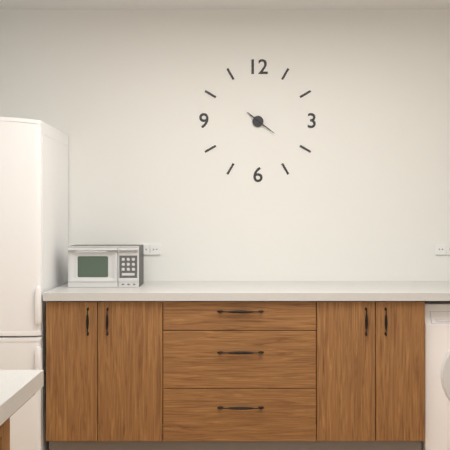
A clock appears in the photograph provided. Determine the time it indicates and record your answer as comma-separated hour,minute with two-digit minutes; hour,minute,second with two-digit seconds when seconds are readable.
10,21
